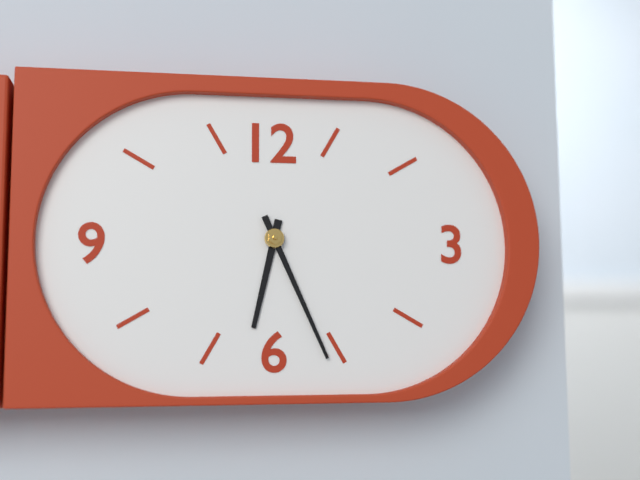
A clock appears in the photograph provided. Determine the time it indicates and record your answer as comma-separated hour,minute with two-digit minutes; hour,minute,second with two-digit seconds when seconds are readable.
6,26
